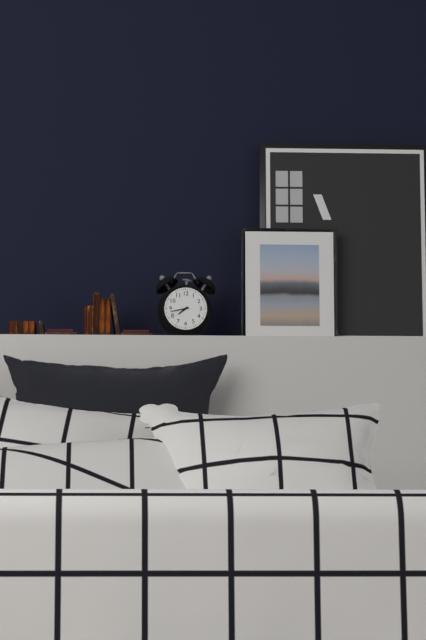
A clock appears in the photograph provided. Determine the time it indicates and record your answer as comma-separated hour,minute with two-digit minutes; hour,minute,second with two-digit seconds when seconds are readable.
7,43
